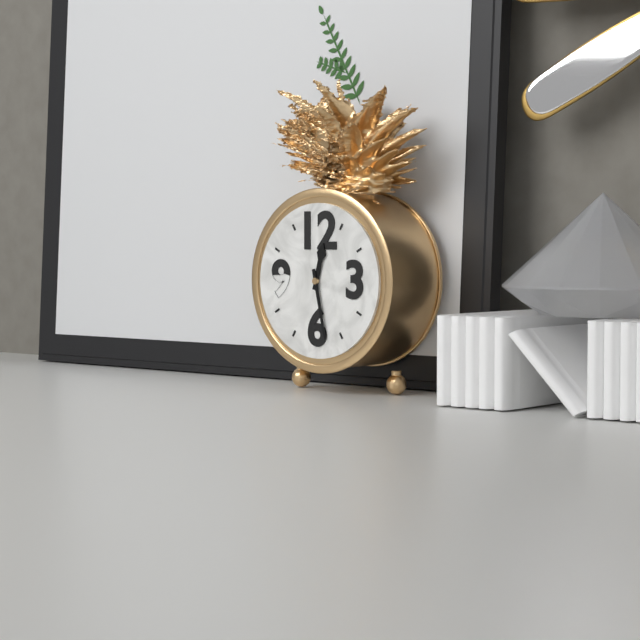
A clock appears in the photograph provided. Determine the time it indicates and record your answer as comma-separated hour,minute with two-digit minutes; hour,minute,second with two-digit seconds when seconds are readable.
12,28
